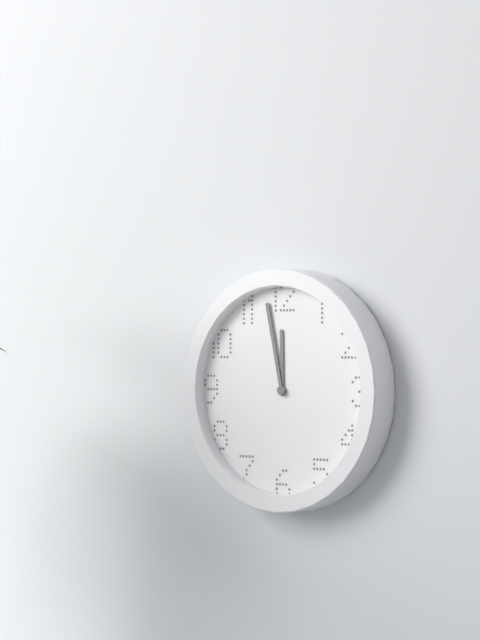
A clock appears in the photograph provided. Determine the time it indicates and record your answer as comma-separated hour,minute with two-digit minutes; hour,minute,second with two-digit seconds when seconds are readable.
11,58
